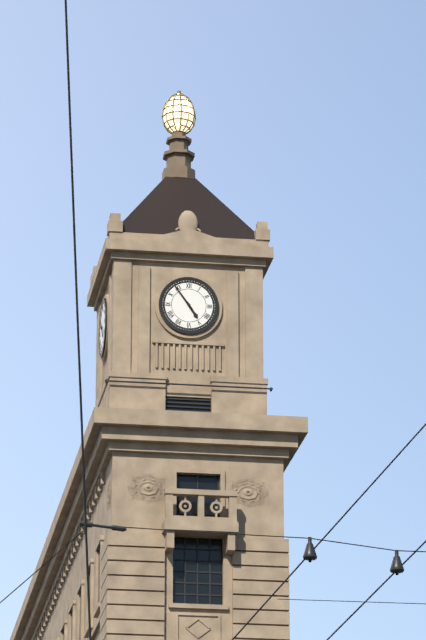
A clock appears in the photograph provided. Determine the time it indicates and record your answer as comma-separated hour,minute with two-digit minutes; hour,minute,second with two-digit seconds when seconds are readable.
4,54
